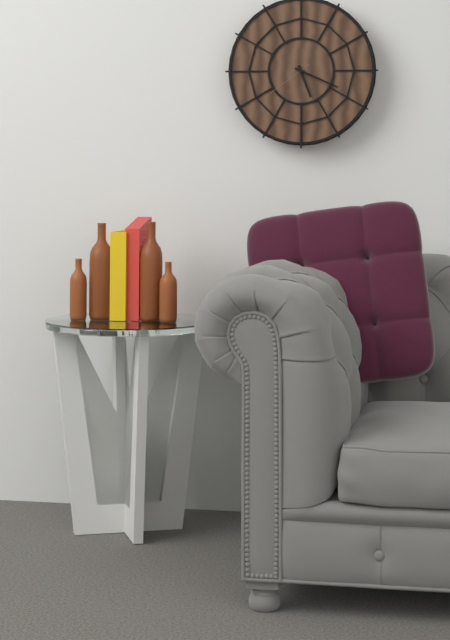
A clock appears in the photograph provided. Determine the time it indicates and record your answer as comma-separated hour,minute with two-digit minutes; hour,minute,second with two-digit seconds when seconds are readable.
5,19,39
